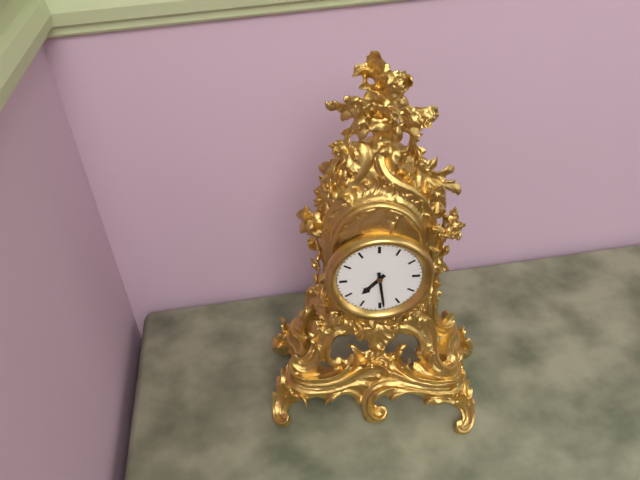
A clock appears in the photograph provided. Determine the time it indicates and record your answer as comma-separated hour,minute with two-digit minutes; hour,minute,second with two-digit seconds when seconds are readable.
7,29
